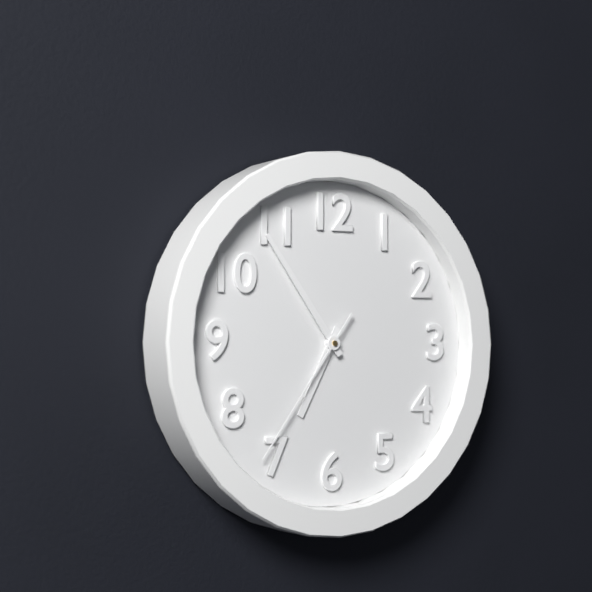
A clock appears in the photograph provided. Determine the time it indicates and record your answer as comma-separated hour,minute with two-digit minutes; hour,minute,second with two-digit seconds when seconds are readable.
6,54,36
